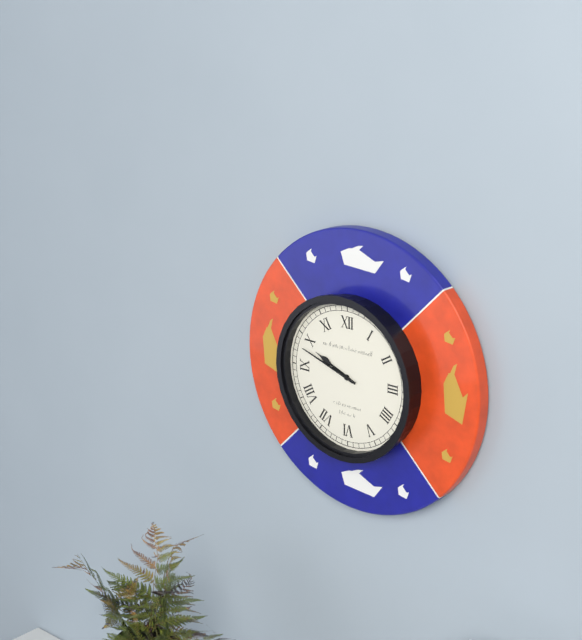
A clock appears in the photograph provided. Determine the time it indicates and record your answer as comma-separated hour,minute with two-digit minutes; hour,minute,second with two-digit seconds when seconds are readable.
9,48
